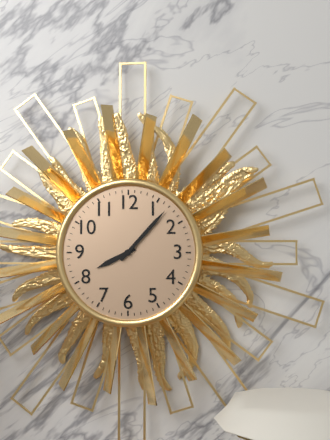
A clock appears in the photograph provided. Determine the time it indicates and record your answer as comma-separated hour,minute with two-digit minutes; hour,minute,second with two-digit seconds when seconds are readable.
8,07
